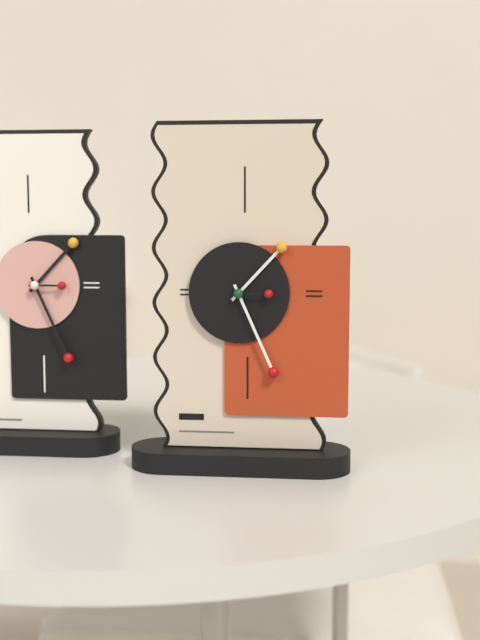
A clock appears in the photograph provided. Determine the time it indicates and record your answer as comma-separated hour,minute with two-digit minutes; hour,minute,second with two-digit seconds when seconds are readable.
1,26
